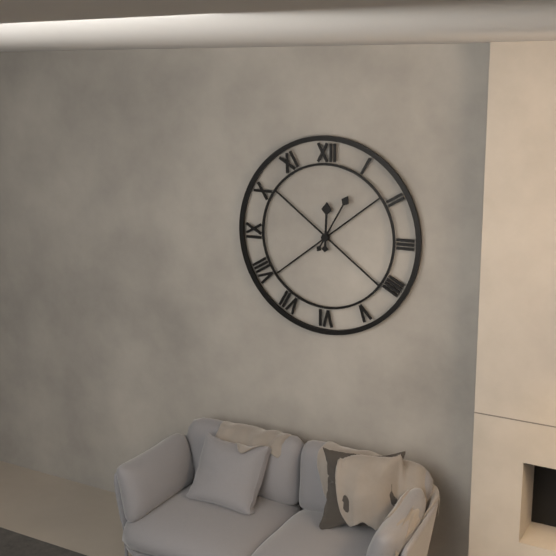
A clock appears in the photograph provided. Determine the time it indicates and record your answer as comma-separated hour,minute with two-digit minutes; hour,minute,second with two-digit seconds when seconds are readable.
12,05
